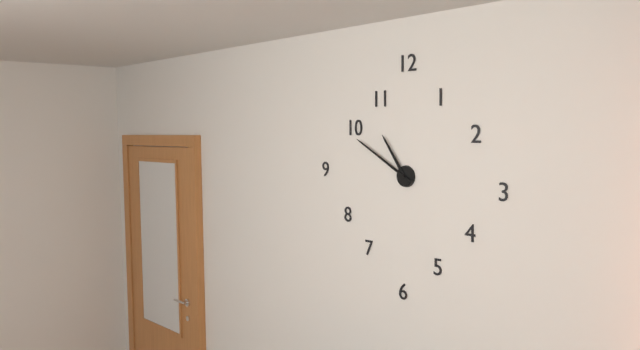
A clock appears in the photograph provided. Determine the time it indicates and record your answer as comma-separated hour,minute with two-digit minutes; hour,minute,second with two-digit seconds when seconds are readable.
10,50
